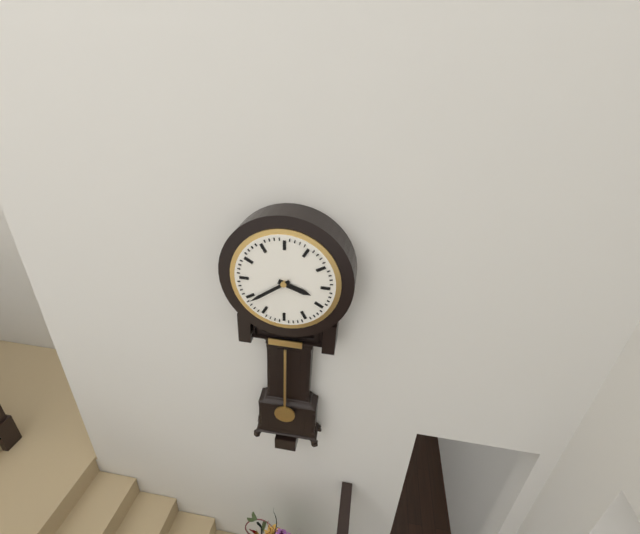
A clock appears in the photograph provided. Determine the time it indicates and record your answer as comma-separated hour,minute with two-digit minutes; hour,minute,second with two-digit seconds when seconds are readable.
3,39
